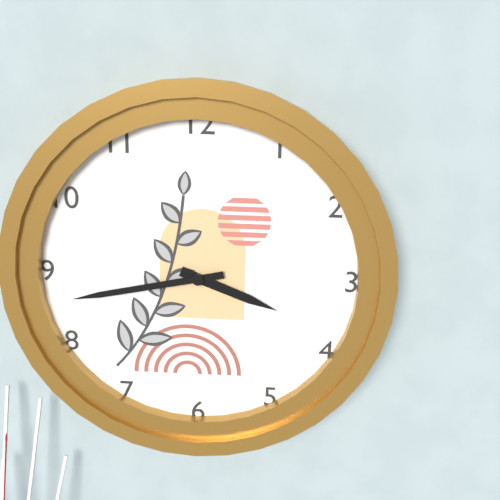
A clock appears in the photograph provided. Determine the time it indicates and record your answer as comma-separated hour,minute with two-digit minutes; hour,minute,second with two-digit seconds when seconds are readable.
3,43
